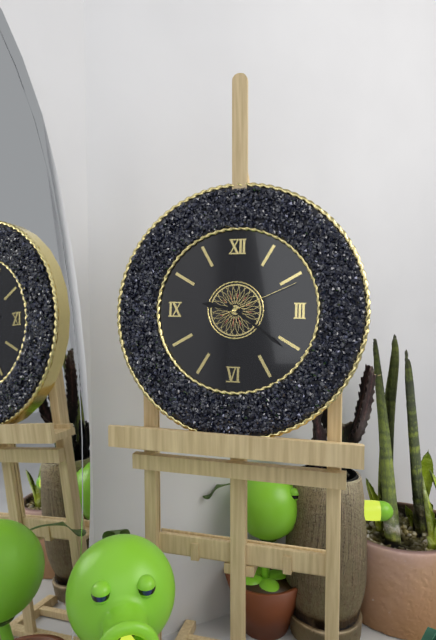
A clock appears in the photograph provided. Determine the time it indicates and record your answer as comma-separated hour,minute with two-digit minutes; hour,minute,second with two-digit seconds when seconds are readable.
9,21,11
